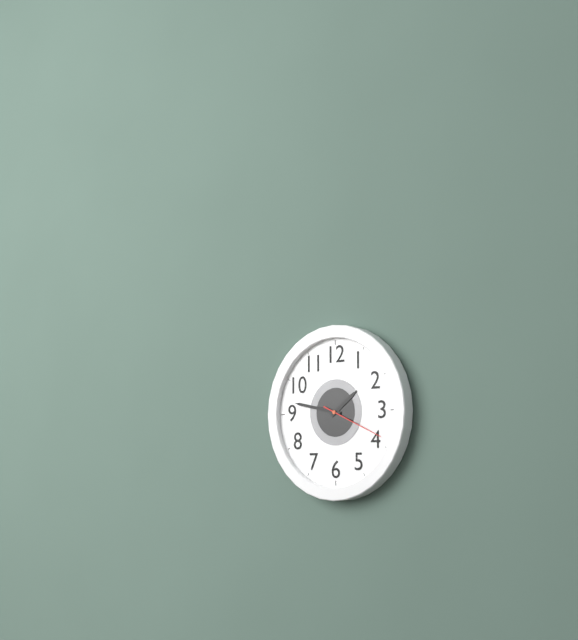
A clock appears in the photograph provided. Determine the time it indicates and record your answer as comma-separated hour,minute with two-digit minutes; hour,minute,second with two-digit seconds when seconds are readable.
1,47,19
